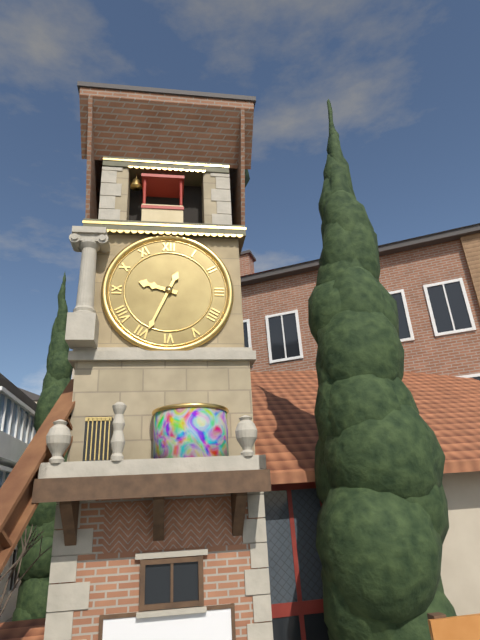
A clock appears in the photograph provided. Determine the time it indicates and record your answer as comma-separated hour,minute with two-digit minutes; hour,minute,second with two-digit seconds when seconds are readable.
9,34
